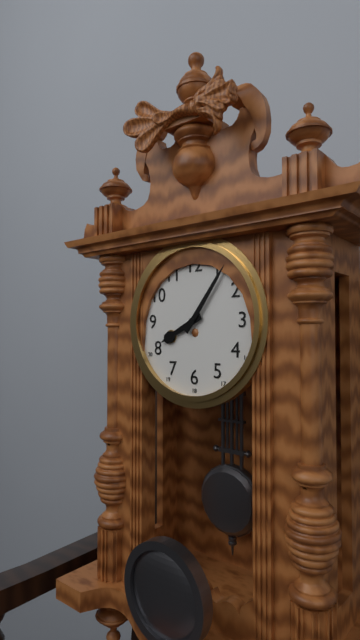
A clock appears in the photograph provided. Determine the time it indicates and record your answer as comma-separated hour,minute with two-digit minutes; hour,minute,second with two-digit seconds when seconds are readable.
8,06
